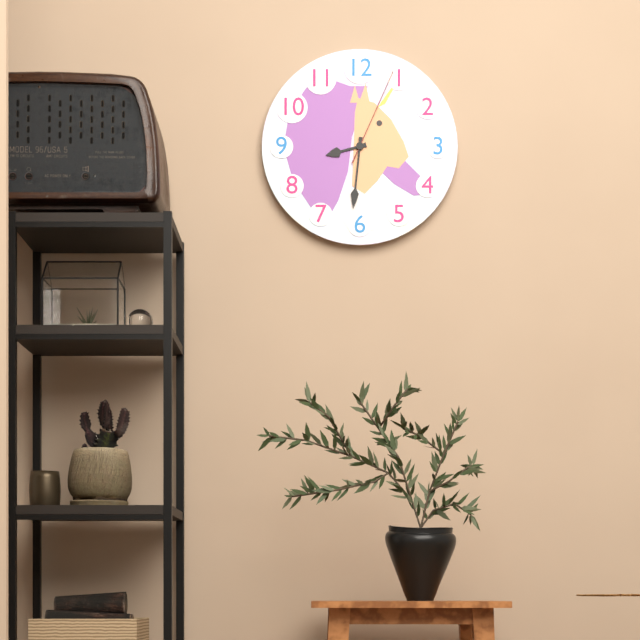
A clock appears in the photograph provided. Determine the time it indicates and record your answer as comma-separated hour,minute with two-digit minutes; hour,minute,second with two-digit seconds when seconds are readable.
8,31,04
